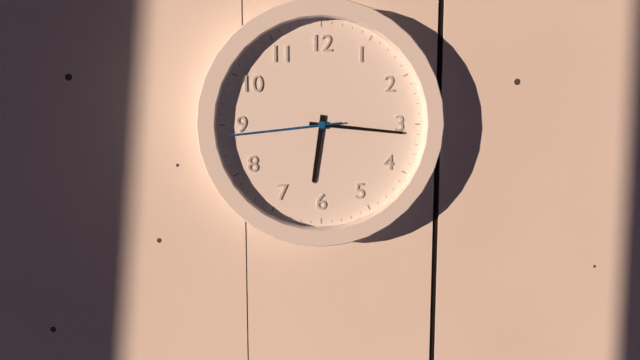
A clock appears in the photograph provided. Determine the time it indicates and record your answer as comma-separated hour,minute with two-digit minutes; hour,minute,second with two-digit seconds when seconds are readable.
6,16,44
